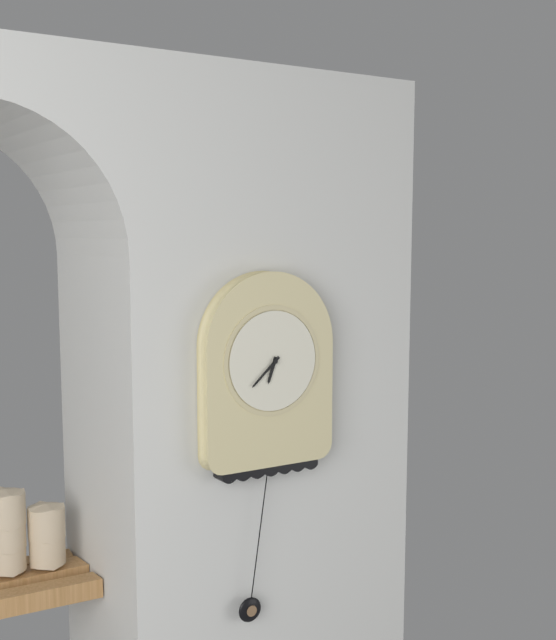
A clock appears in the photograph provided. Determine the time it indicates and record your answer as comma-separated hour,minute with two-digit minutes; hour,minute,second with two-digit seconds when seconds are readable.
6,38
